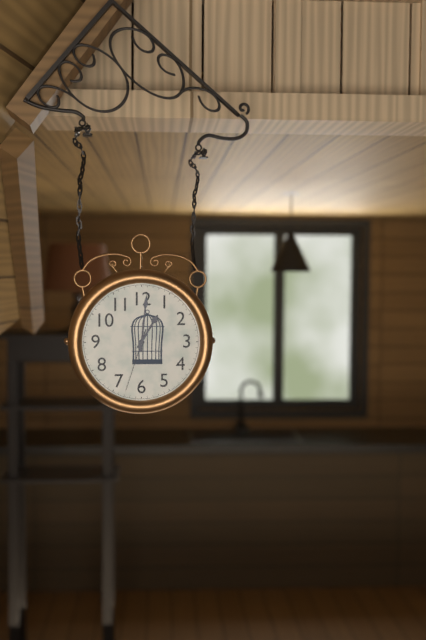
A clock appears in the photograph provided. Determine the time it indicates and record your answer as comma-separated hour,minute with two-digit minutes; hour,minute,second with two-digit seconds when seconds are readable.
1,01,33
